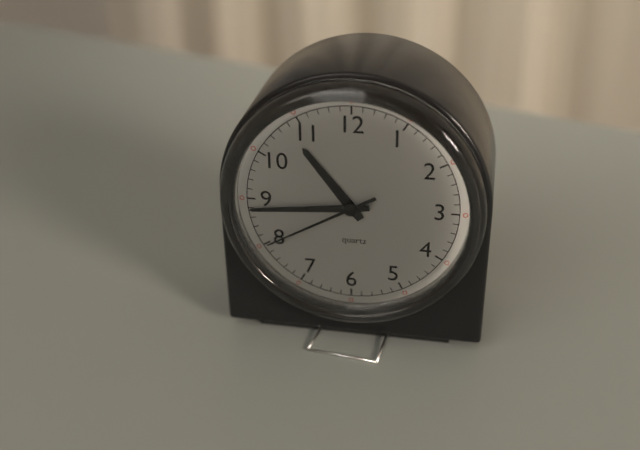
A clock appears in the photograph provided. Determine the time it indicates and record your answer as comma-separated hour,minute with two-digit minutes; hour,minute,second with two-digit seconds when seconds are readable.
10,44,40
